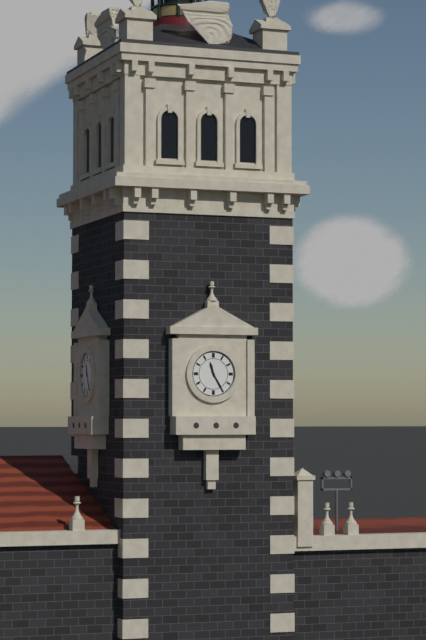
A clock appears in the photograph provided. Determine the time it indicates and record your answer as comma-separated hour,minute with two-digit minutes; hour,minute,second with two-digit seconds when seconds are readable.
11,25
